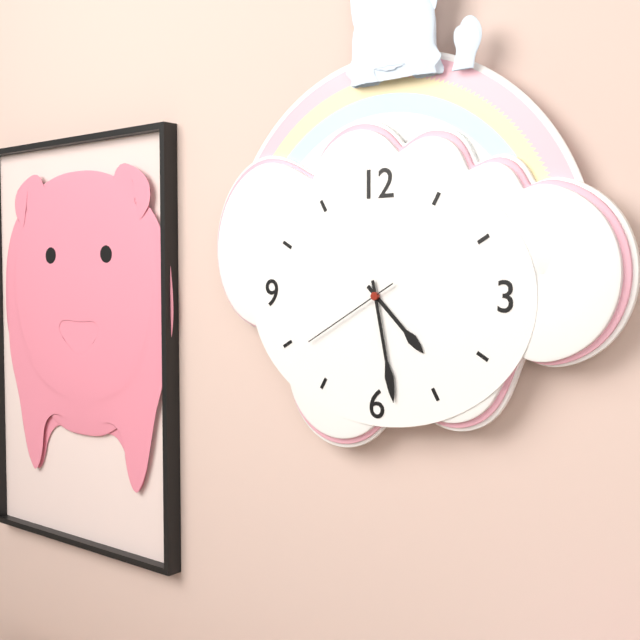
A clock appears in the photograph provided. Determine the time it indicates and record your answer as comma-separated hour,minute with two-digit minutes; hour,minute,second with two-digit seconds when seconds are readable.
4,28,40
